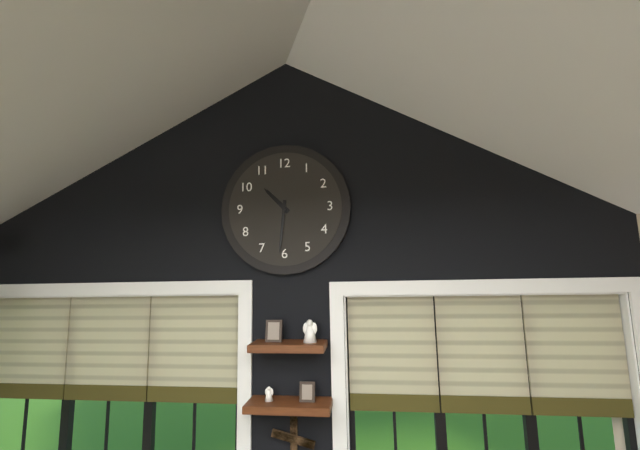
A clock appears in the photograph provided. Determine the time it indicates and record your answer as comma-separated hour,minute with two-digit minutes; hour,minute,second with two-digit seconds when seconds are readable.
10,31
